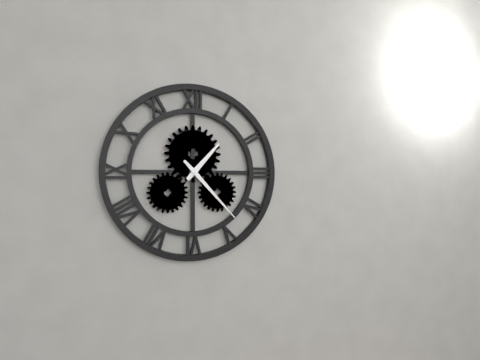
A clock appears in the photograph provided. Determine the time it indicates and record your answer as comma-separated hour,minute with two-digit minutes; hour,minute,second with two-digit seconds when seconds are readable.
1,23
